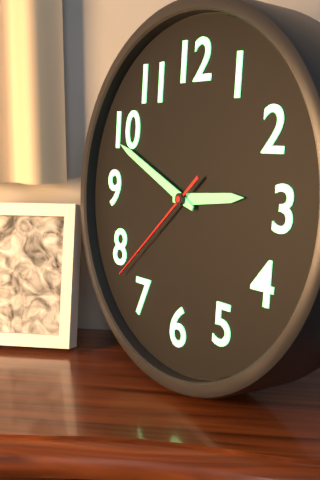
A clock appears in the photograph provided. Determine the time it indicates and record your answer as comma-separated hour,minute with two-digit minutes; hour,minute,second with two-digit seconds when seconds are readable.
2,49,38
